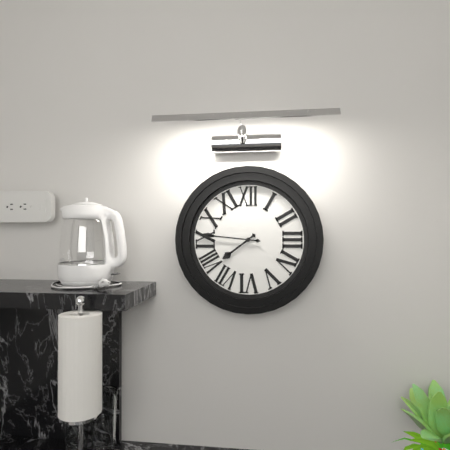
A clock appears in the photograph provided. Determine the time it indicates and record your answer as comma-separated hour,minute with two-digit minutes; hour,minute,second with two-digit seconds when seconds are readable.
7,46
